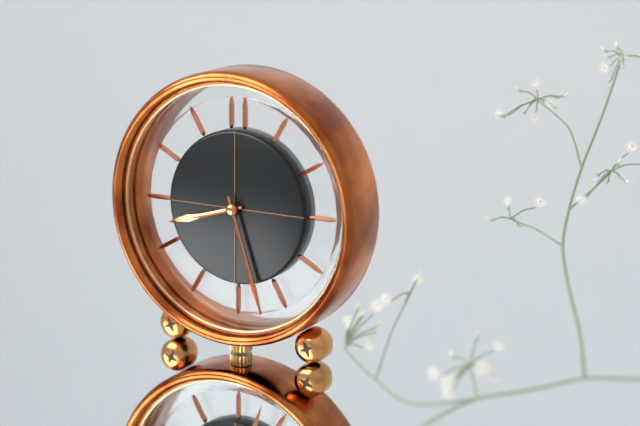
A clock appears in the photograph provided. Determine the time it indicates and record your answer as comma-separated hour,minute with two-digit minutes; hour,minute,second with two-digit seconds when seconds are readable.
8,27
